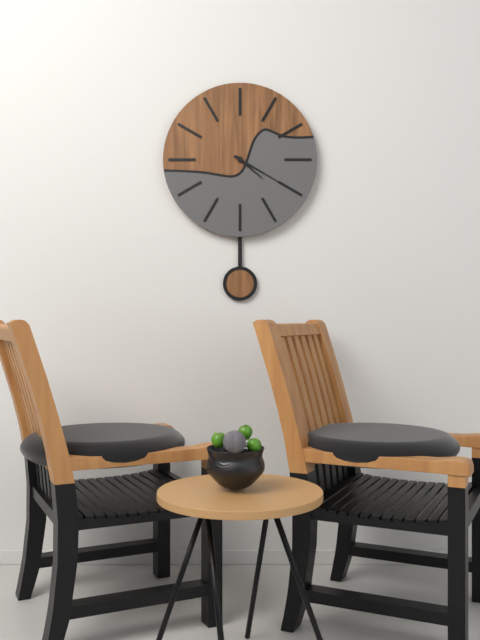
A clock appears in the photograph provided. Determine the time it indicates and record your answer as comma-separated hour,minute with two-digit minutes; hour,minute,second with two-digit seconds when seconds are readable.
4,20
